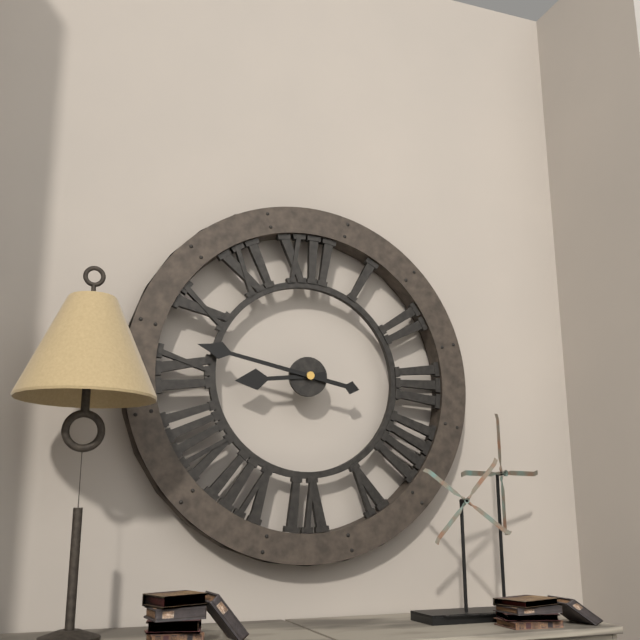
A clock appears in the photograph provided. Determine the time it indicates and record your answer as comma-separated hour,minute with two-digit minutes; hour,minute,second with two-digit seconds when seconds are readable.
8,47
